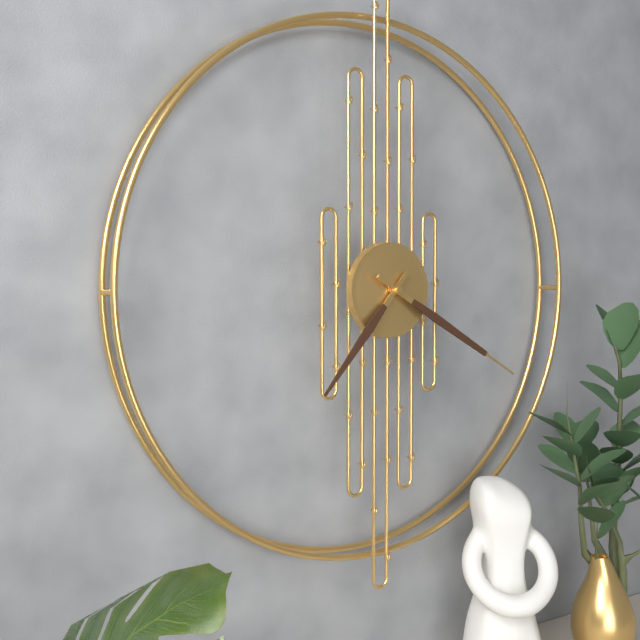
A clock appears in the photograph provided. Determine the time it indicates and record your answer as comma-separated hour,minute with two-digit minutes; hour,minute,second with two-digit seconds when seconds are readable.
7,20
